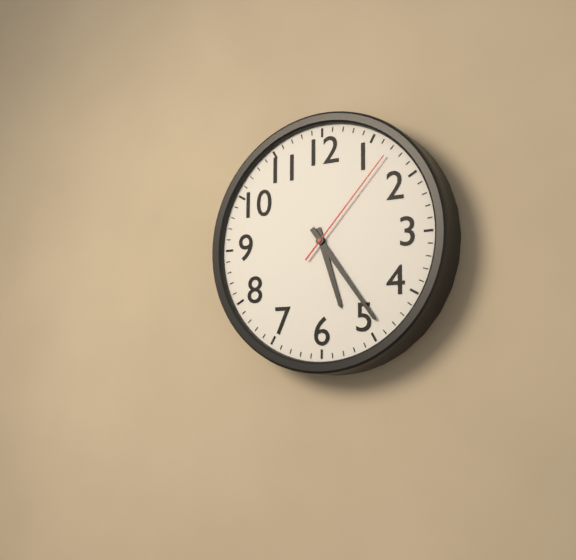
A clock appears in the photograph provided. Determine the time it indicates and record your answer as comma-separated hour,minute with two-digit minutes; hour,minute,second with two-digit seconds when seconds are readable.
5,24,07
